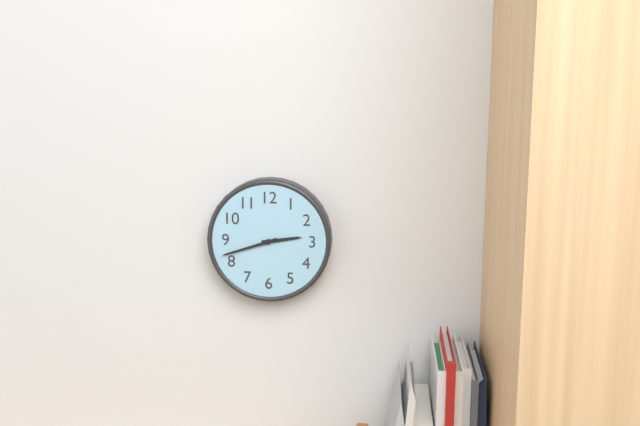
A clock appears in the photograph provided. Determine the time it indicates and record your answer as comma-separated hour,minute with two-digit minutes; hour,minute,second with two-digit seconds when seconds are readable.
2,42
